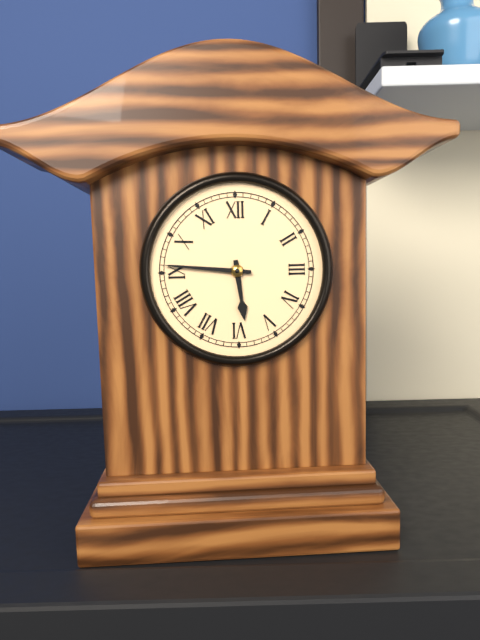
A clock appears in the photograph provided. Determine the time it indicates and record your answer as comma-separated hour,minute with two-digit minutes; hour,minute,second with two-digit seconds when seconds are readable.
5,46
